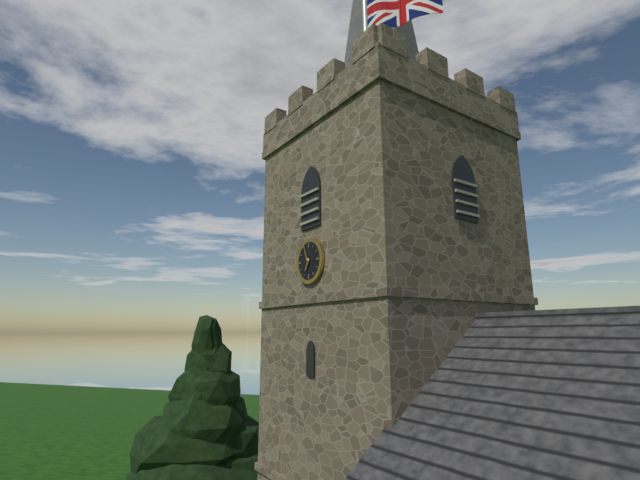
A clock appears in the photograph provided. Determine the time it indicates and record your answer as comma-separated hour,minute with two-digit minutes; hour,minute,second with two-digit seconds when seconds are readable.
6,56
